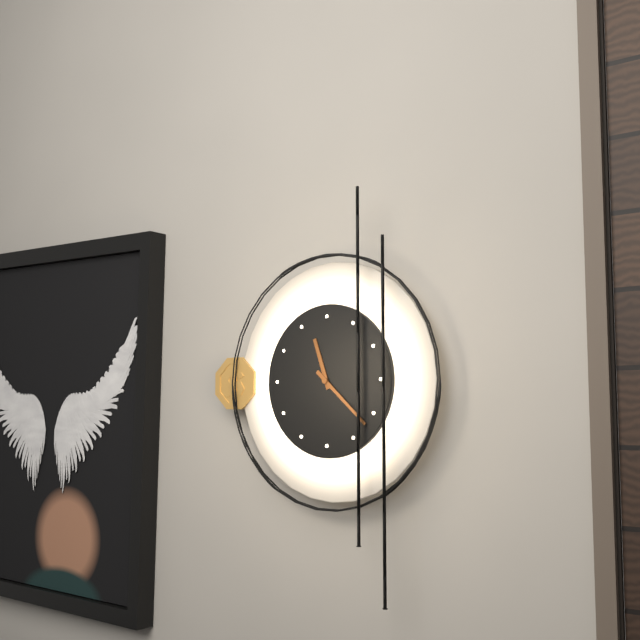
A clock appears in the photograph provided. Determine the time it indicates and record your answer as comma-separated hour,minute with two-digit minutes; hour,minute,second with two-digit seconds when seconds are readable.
11,22
